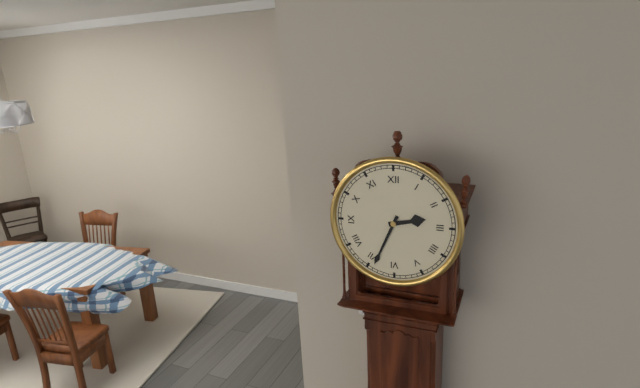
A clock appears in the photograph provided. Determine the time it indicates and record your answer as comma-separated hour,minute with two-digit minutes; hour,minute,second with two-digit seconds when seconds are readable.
2,34
